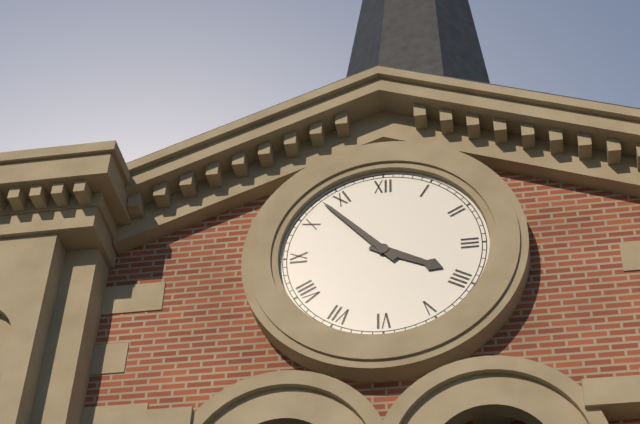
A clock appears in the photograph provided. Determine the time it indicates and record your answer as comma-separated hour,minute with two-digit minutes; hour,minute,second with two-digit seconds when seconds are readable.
3,53
